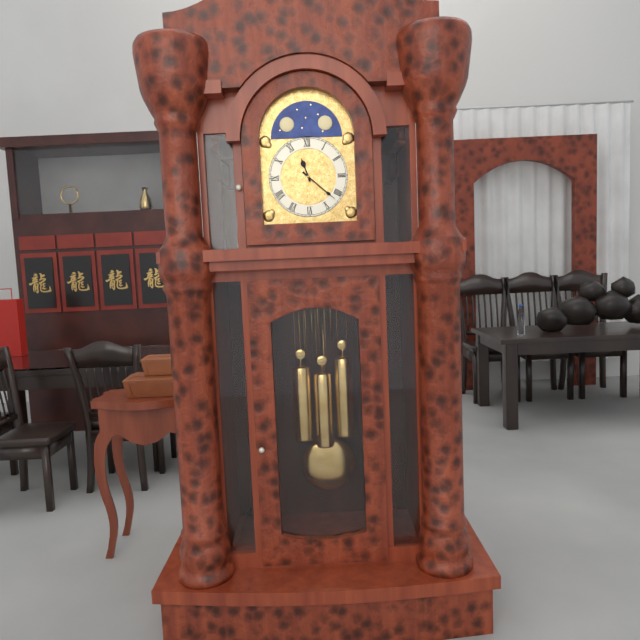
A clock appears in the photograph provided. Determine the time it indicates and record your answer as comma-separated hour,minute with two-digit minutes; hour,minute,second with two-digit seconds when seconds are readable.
11,22
